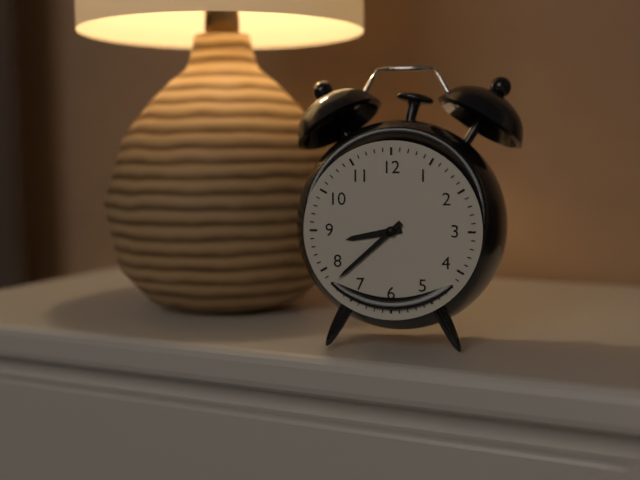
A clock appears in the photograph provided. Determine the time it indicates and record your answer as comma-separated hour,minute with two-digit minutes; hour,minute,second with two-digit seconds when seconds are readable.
8,38
